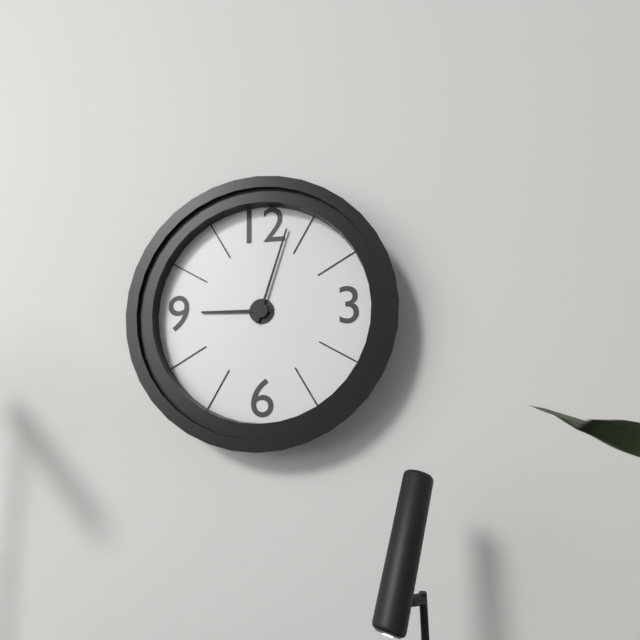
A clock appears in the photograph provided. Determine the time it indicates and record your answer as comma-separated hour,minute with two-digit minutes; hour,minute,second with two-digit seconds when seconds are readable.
9,03
